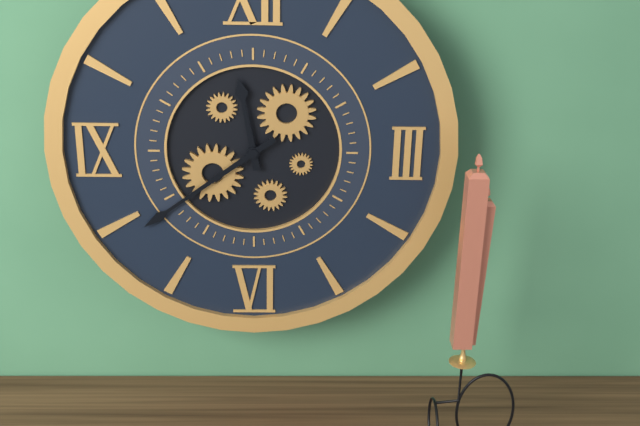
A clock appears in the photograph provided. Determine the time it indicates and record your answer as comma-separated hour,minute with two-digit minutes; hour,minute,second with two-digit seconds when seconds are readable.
11,39
